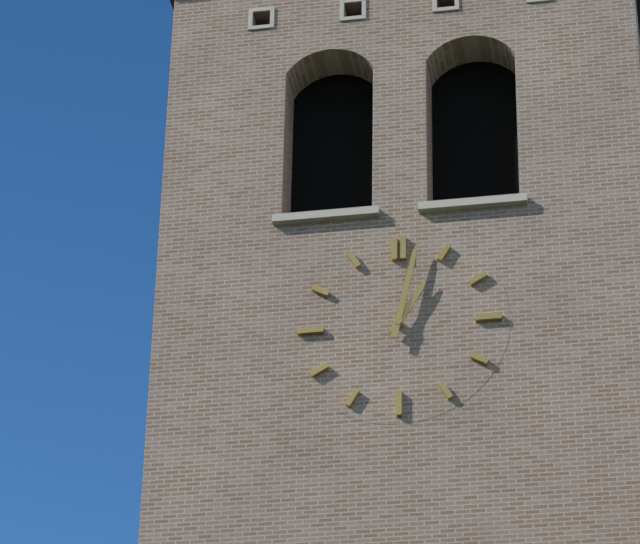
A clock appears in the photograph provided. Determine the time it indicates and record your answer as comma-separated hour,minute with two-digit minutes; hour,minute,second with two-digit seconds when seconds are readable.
1,02
